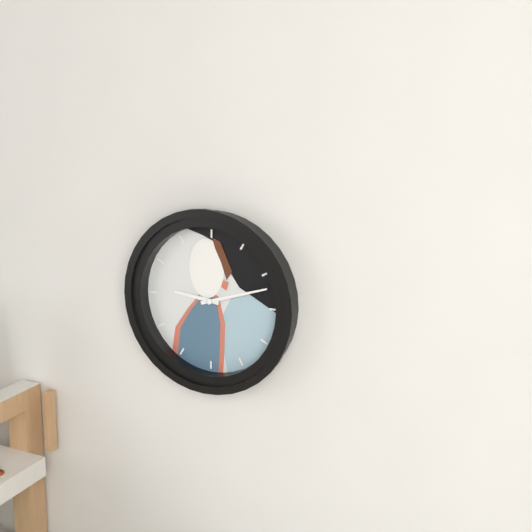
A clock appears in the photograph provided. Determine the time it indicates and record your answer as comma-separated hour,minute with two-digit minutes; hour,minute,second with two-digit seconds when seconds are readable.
9,12
